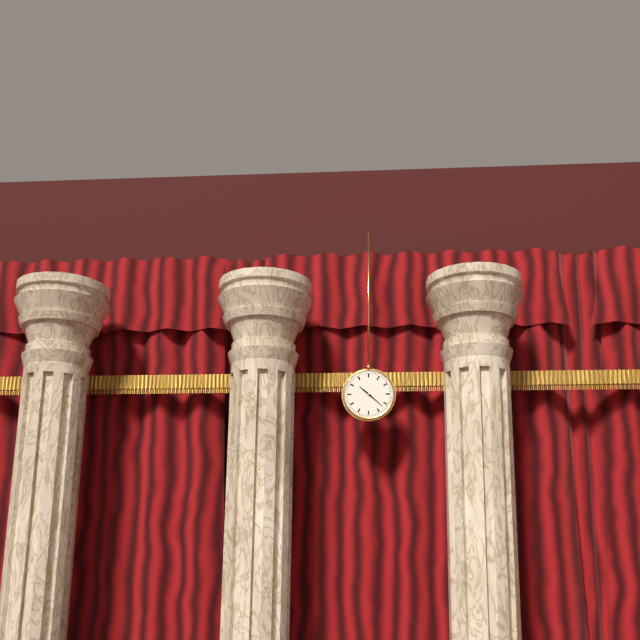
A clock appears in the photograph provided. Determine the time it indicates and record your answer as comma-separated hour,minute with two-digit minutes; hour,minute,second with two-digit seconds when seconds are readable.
10,22
